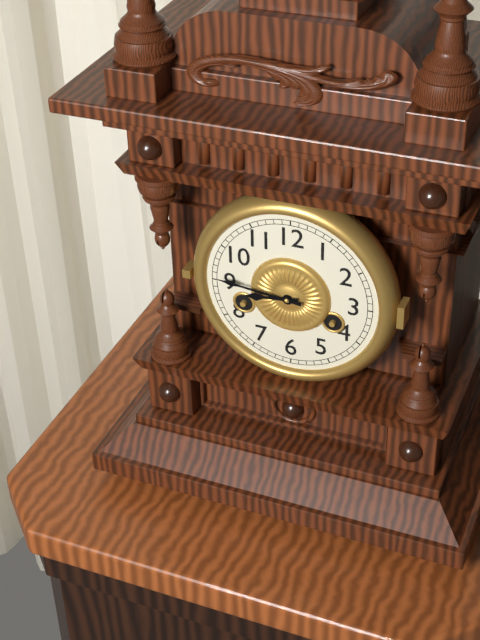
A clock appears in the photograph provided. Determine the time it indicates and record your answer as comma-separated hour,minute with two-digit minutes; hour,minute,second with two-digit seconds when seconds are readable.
8,46
